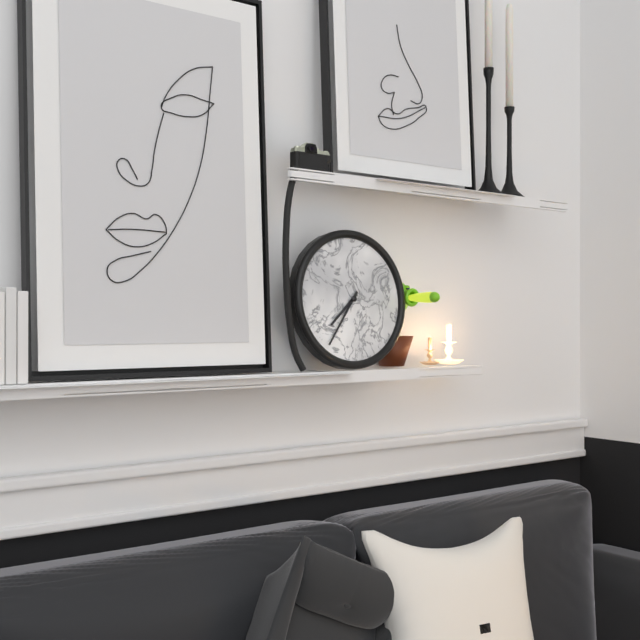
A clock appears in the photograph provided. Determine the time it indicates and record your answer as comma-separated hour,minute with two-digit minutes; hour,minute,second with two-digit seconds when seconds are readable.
7,36
